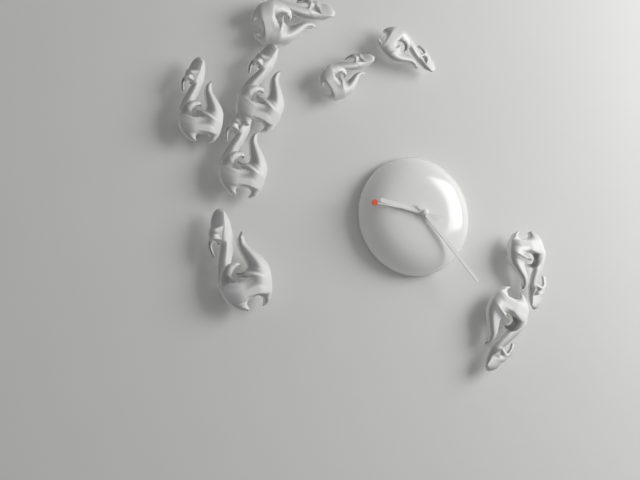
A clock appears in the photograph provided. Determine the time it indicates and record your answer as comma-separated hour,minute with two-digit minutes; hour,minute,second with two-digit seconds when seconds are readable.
9,23,46
